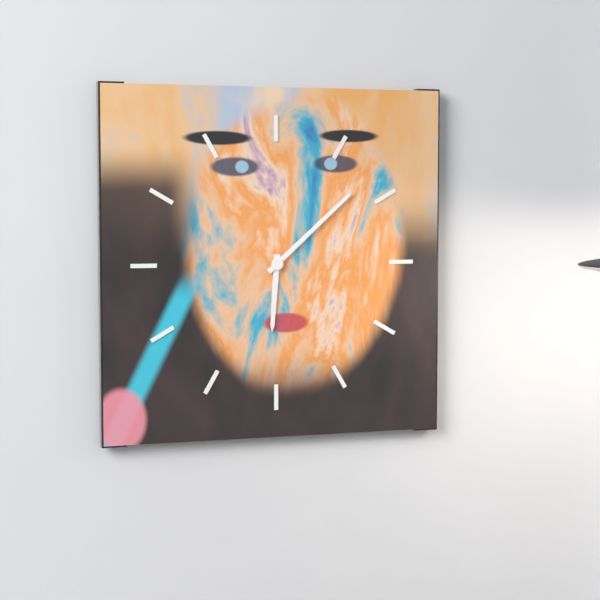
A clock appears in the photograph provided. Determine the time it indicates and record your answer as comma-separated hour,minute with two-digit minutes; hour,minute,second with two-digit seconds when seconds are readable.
6,08
